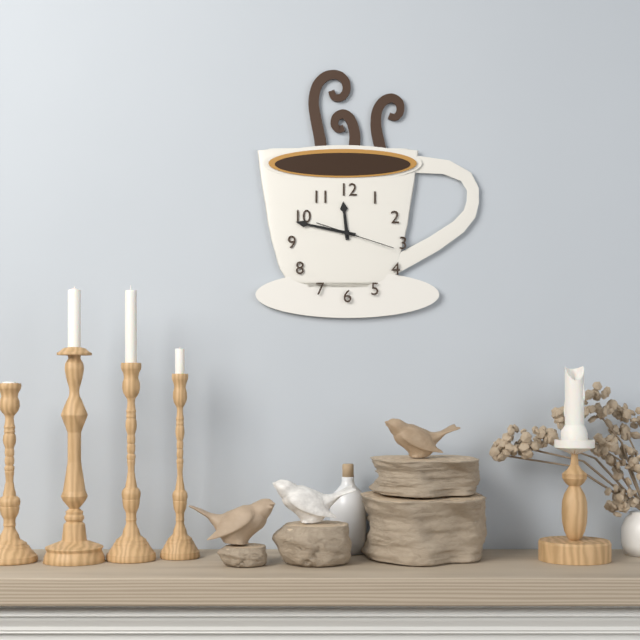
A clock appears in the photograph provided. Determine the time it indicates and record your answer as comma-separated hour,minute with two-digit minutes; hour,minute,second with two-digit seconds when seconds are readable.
11,47,18
